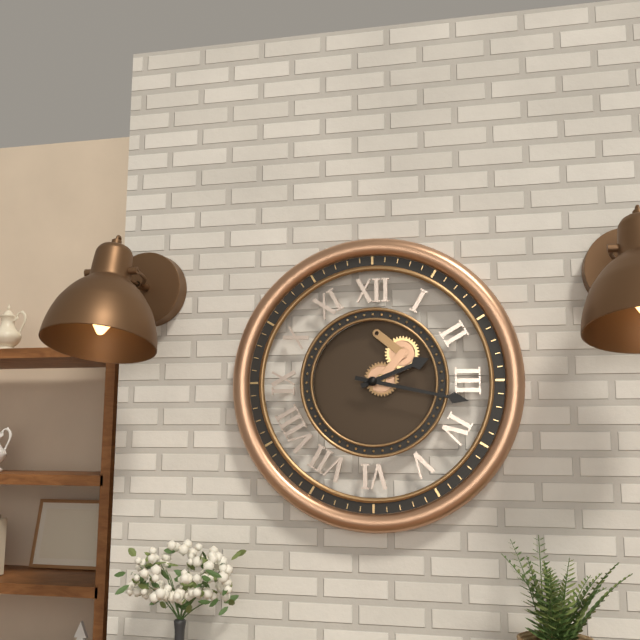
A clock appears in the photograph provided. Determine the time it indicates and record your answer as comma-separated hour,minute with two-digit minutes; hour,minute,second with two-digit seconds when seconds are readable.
2,17
